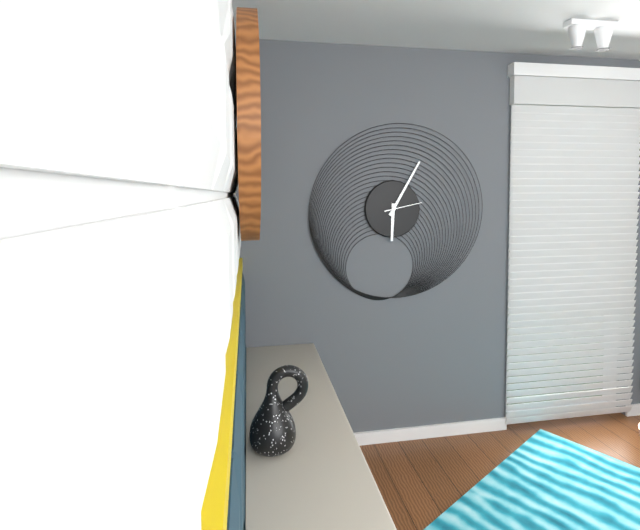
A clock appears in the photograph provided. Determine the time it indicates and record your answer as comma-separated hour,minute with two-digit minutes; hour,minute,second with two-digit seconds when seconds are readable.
6,05
